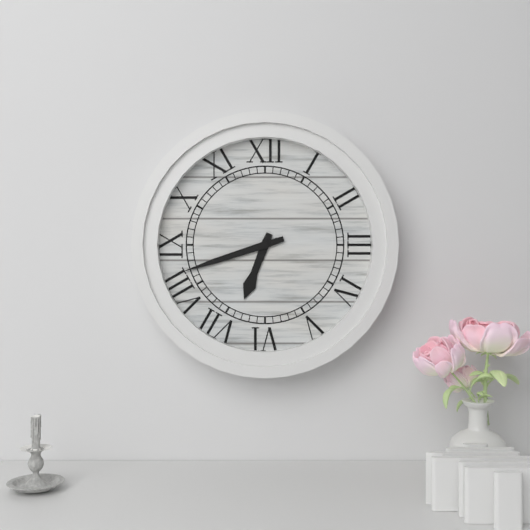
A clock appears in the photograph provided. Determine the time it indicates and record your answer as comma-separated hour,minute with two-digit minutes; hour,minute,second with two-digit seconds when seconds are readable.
6,42
